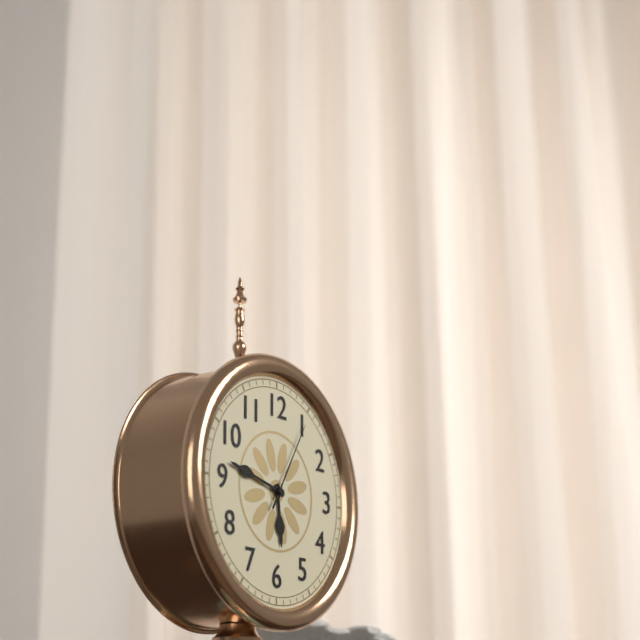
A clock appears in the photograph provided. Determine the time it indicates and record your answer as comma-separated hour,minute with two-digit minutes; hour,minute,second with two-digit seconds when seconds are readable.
5,47,05
